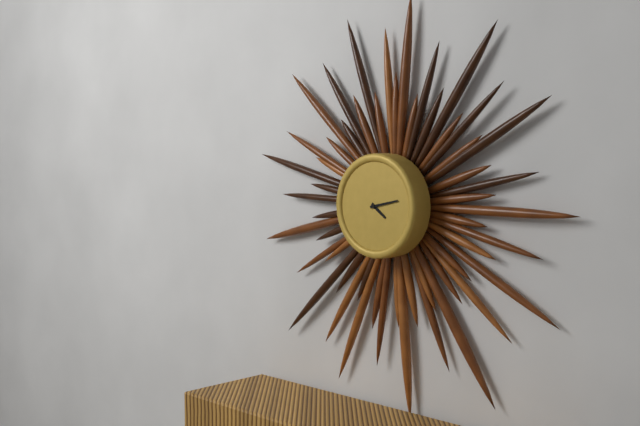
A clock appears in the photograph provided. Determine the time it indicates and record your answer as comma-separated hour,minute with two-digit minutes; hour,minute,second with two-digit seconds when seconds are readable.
4,13
